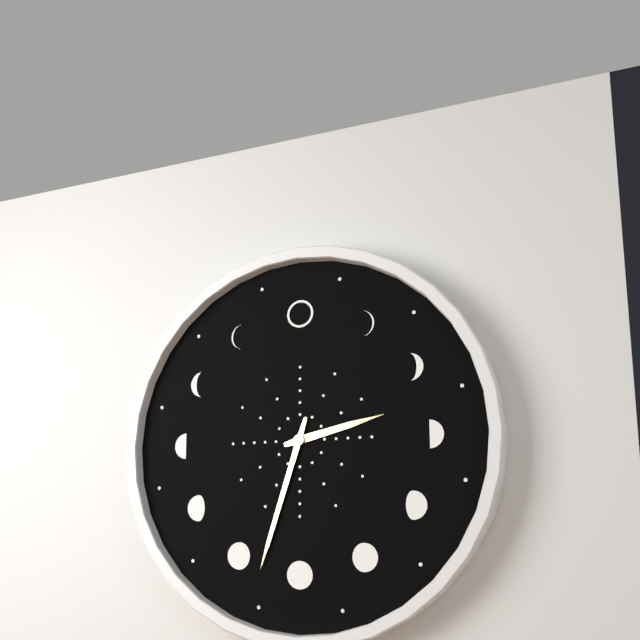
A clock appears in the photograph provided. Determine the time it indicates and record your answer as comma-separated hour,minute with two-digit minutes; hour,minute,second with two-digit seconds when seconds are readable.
2,33
